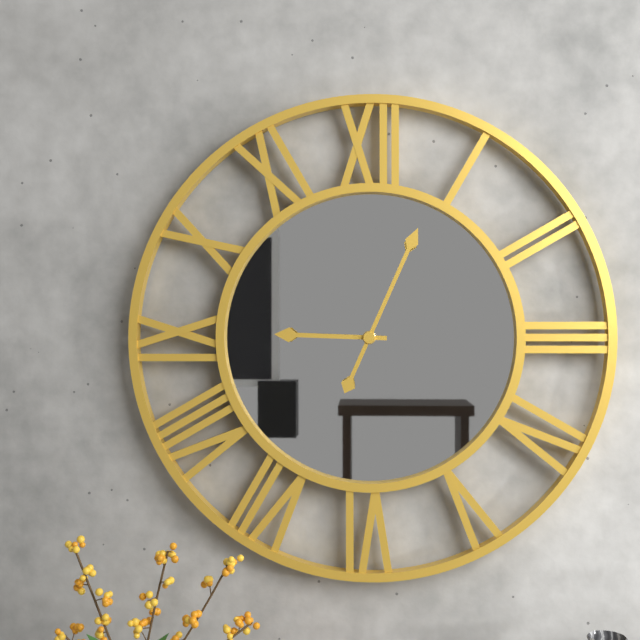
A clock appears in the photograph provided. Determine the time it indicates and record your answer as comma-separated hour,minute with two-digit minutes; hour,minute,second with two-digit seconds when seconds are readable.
9,04
